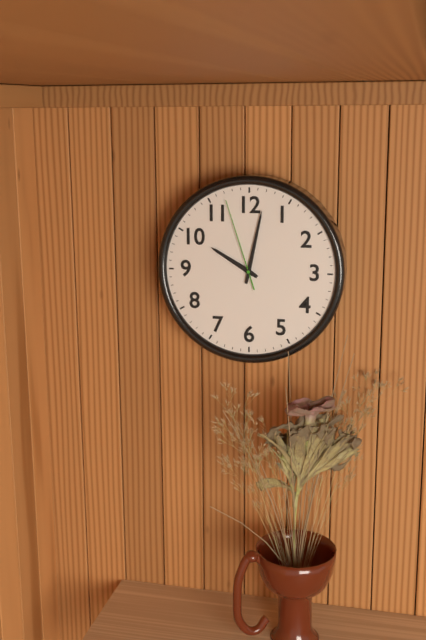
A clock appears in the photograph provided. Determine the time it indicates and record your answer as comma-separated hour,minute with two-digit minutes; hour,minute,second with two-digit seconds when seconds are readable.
10,02,57
